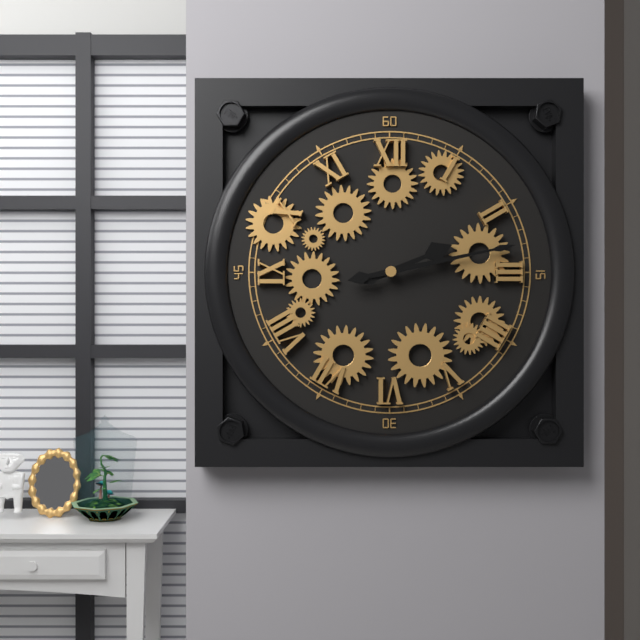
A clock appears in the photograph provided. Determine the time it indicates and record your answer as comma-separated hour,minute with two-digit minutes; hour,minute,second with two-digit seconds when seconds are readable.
2,13
